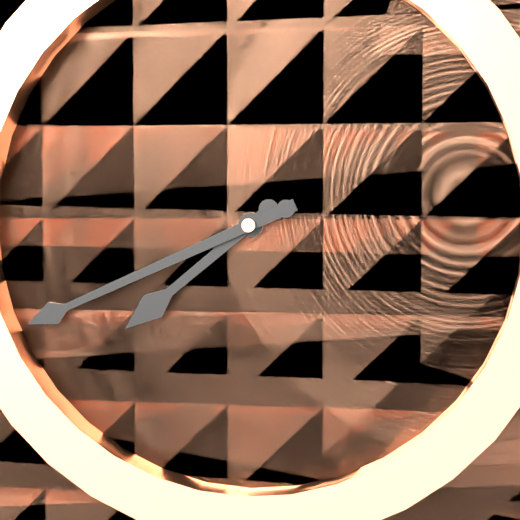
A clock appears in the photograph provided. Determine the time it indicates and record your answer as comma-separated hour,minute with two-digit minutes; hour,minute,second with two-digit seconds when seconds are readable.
7,41
